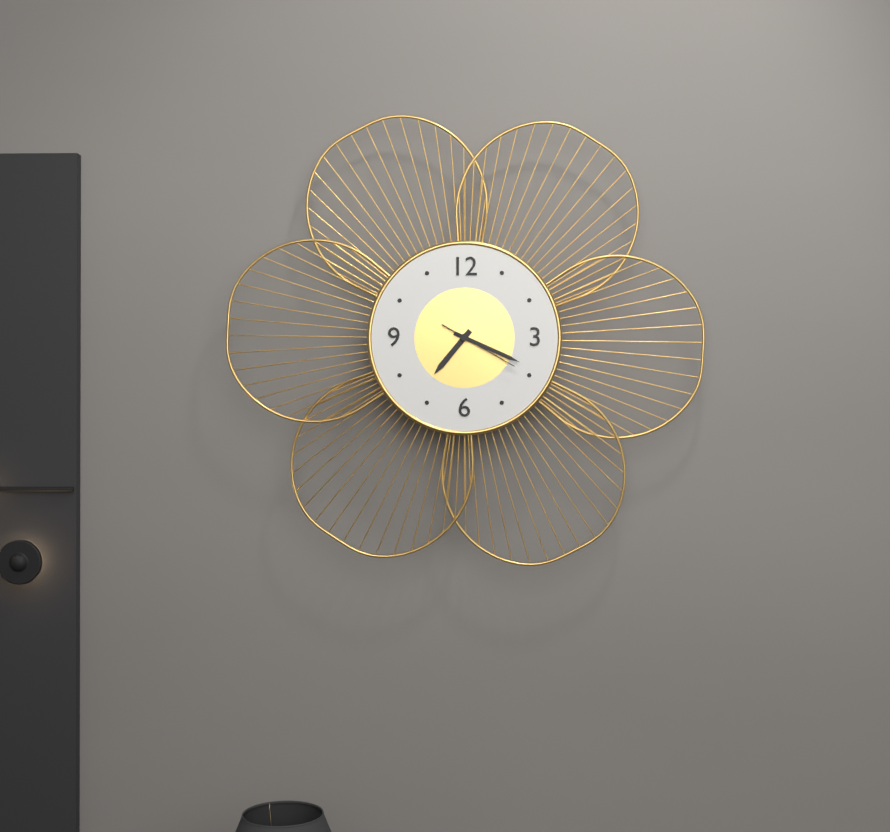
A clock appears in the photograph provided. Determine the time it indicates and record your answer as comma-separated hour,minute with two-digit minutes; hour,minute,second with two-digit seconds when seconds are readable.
7,19,20
